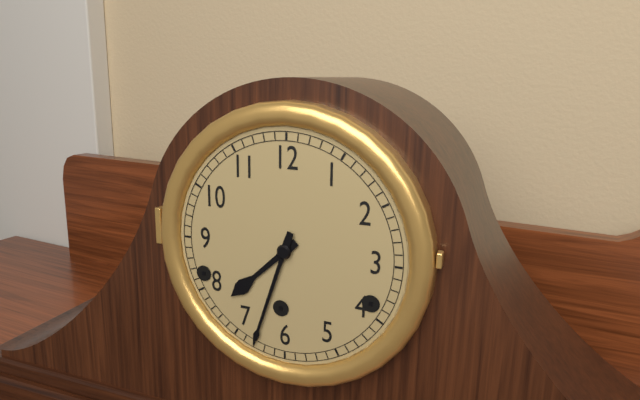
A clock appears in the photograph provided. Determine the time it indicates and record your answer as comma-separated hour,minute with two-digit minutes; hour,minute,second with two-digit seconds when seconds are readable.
7,33
